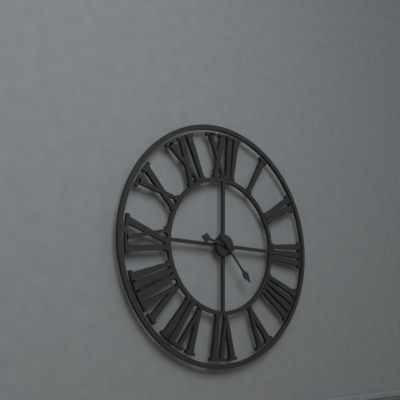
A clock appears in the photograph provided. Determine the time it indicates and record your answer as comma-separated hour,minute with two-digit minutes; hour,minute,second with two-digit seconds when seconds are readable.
9,23
